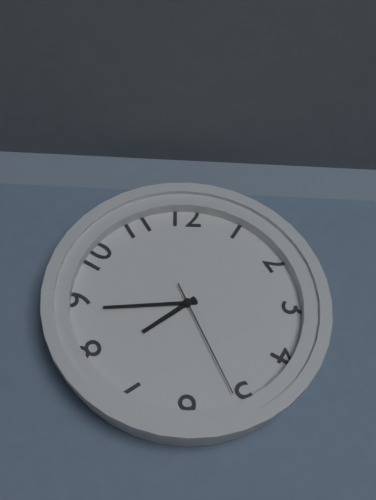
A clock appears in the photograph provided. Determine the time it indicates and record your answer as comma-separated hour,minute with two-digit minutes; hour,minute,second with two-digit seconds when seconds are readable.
7,44,26
